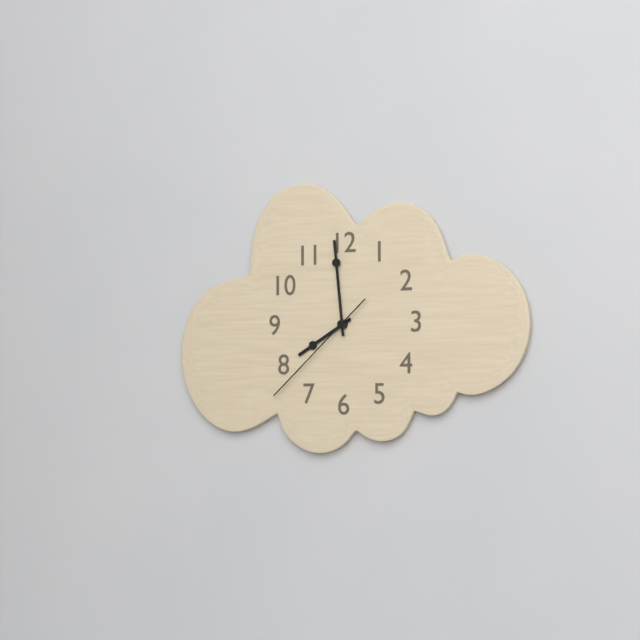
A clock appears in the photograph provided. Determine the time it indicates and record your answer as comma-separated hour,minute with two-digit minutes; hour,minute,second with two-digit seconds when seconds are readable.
7,59,38
